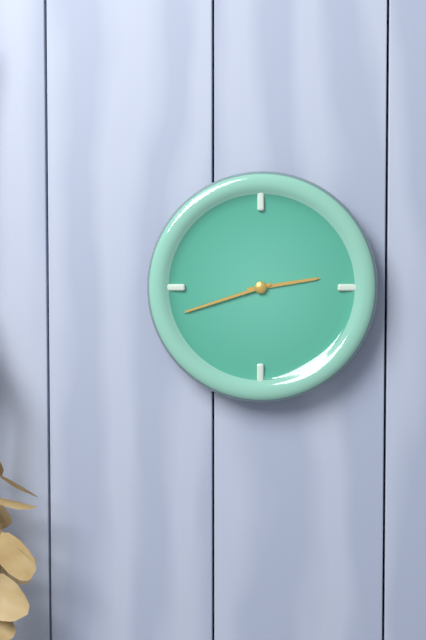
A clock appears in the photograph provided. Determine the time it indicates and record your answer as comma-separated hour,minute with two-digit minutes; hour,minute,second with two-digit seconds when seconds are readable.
2,42
